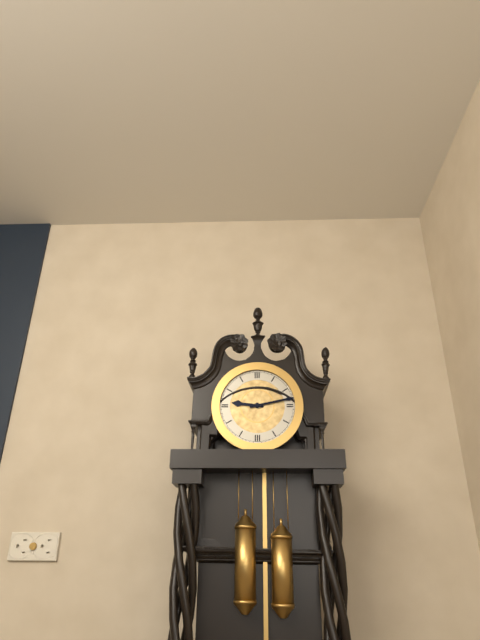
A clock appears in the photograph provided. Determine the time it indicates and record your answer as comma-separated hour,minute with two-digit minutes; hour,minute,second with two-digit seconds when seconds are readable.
9,13
